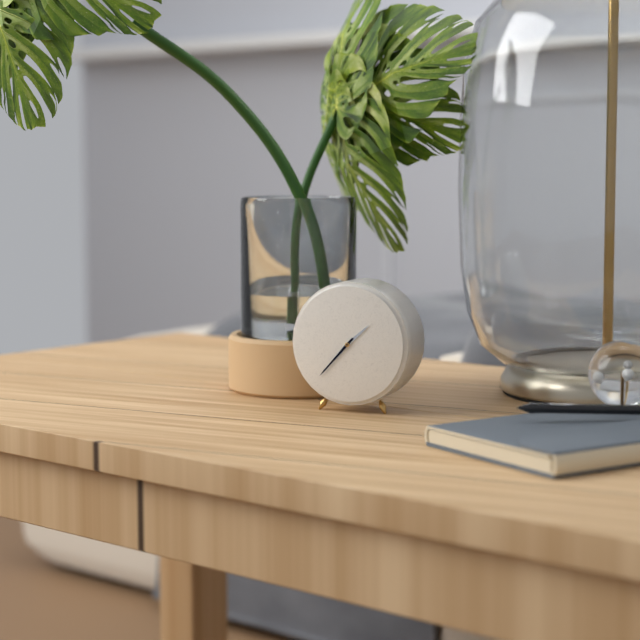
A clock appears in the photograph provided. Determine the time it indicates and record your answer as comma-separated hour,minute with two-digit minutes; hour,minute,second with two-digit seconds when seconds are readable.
1,37
